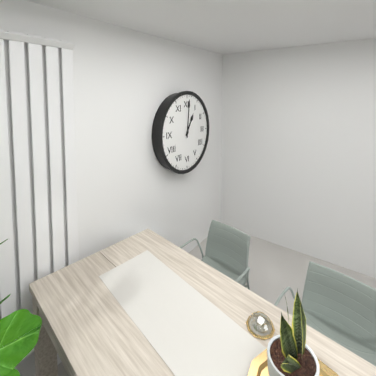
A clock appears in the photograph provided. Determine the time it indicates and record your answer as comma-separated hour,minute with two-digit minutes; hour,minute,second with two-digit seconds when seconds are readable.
1,01
